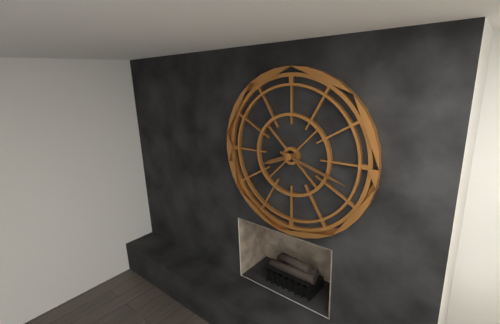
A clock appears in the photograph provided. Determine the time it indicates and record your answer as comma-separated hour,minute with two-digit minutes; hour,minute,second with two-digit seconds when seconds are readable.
8,18
